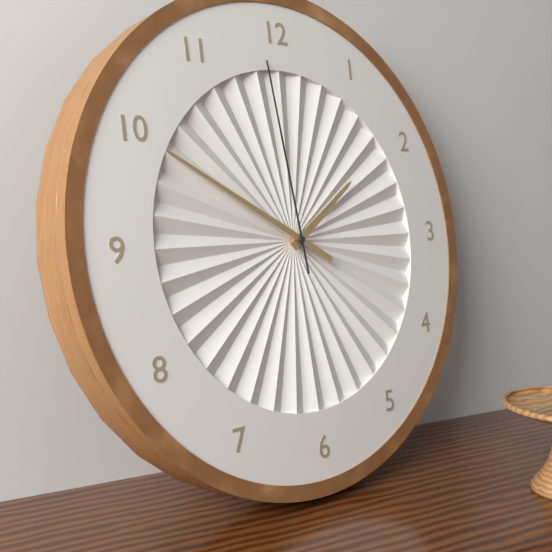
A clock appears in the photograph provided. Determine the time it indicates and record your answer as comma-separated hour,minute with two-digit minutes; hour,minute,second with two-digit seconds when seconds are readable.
1,50,59
